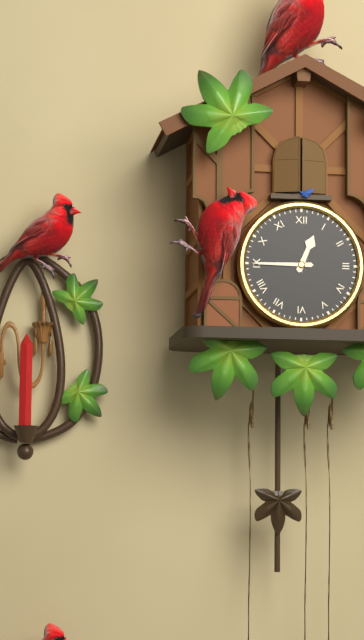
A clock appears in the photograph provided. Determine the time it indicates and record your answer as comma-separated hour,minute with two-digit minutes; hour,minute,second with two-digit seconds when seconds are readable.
12,45
